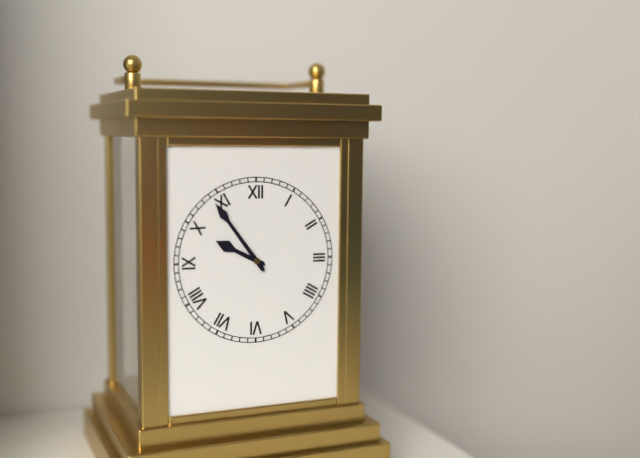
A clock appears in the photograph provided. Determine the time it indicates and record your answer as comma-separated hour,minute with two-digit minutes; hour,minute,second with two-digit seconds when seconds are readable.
9,54
